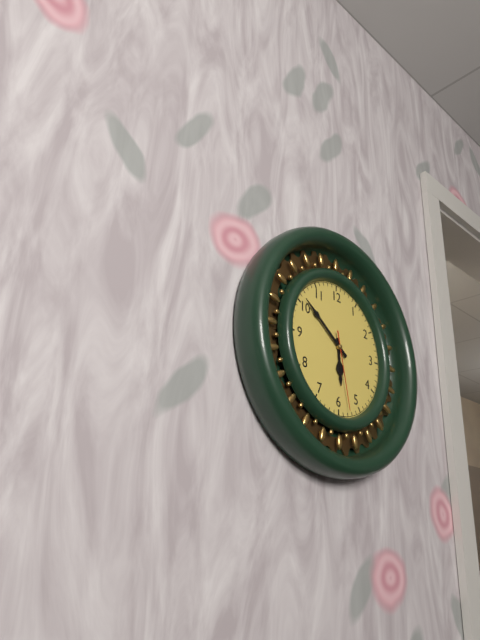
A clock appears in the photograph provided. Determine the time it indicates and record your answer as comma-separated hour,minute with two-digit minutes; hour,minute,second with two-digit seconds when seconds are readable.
5,51,28
